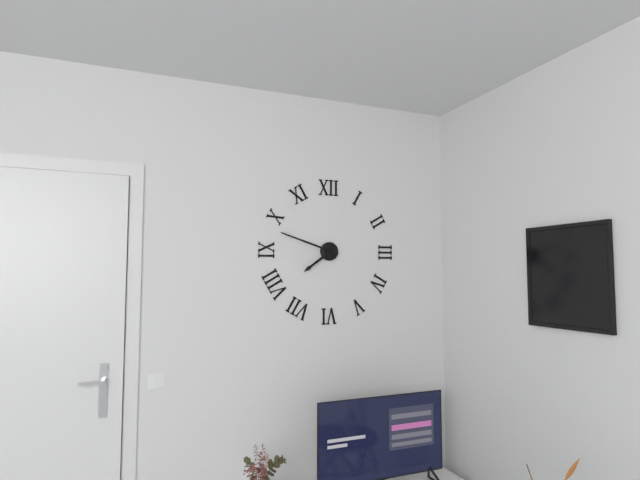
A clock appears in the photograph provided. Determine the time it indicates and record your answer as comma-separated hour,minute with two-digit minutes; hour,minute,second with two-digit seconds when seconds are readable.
7,48
